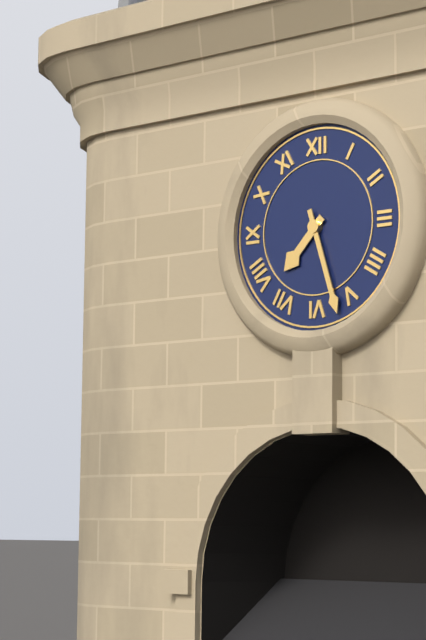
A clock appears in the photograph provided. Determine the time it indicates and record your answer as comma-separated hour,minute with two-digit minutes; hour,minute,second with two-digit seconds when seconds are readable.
7,27
